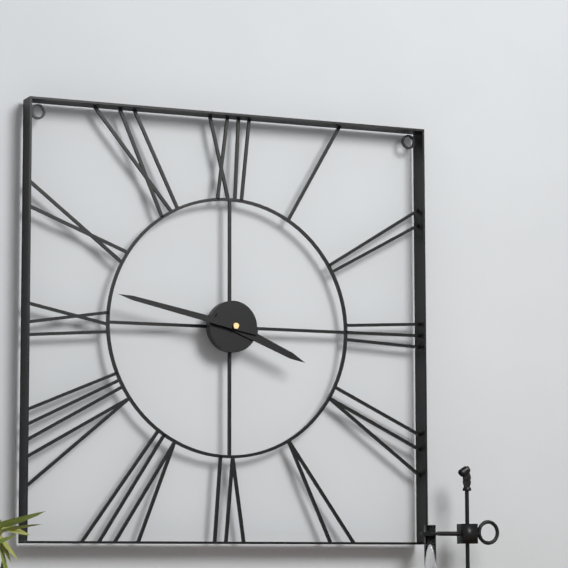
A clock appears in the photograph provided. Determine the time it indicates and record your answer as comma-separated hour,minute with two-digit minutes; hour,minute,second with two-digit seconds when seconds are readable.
3,47
